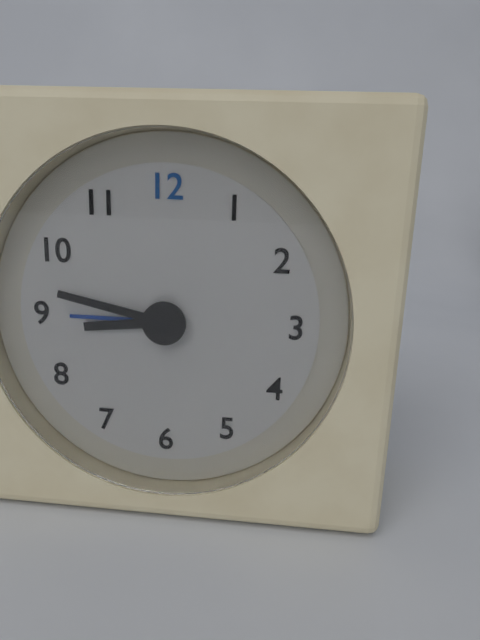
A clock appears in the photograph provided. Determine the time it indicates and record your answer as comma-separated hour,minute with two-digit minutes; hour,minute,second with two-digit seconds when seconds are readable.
8,47
